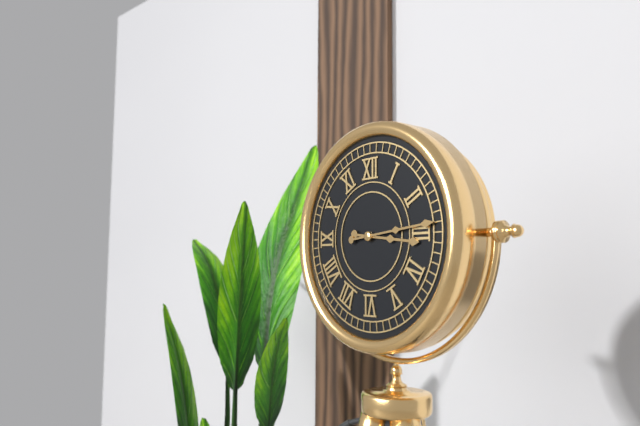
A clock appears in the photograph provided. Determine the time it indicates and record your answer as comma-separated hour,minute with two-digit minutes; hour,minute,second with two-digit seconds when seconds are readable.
3,14
